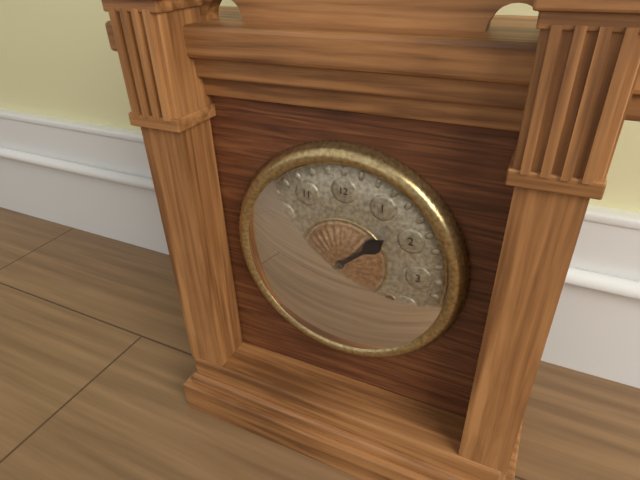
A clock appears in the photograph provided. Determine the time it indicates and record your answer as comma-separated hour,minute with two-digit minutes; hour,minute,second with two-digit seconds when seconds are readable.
1,37
